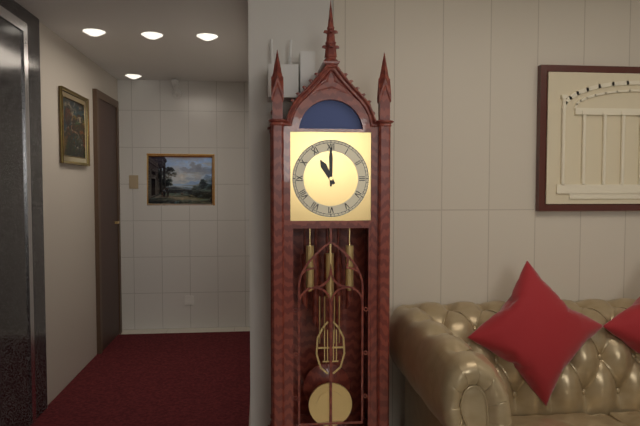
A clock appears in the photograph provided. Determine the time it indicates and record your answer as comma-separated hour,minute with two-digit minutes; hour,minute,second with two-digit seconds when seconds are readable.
11,00
